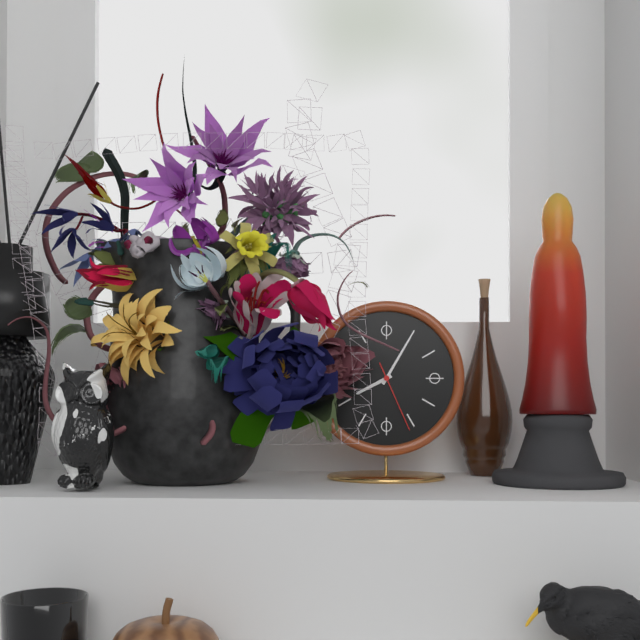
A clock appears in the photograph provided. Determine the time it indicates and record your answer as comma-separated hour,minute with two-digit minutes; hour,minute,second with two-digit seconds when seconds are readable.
8,05,26
